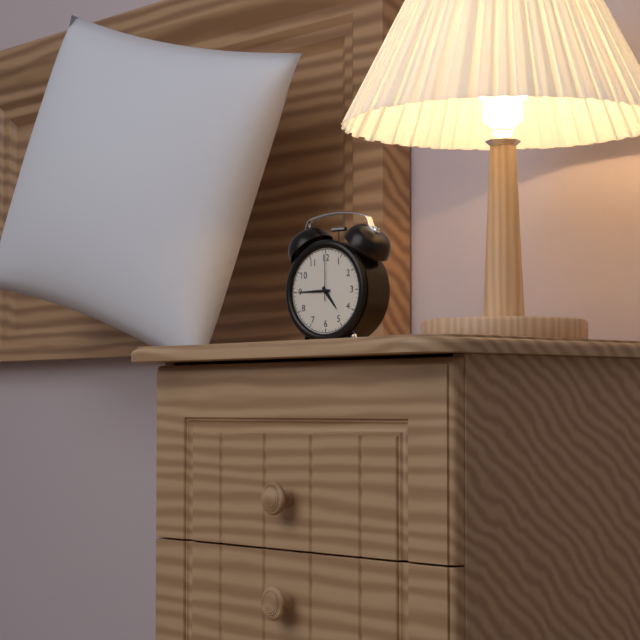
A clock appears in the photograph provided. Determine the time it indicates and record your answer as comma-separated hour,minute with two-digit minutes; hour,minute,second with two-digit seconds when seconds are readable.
4,45
